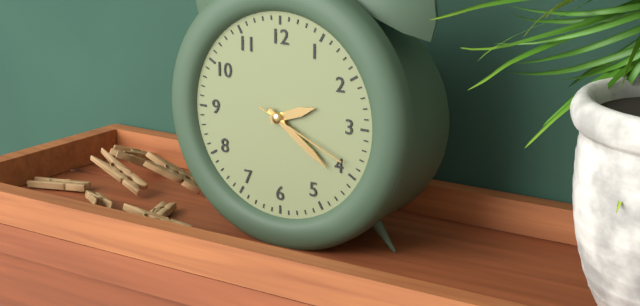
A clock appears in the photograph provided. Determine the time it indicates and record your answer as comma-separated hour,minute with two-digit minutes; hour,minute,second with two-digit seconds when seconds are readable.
2,21,19
